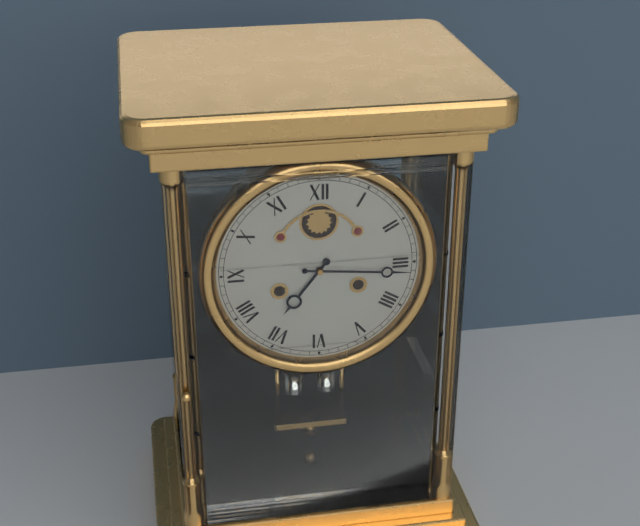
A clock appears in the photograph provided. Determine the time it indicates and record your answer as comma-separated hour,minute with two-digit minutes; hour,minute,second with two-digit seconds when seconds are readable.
7,16
